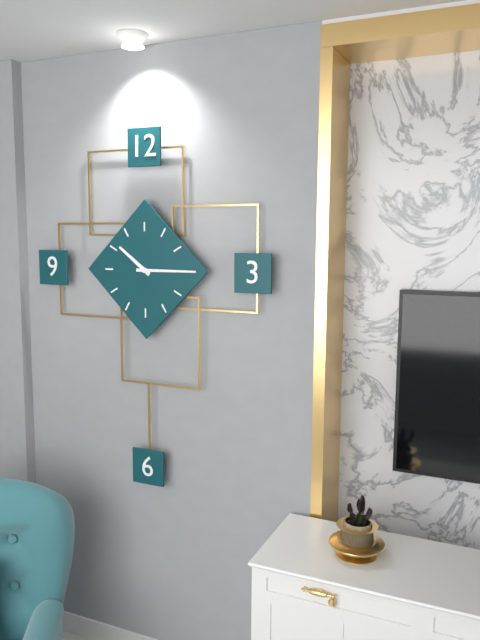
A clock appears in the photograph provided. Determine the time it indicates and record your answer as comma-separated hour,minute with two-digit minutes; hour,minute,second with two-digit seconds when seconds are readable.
10,15
